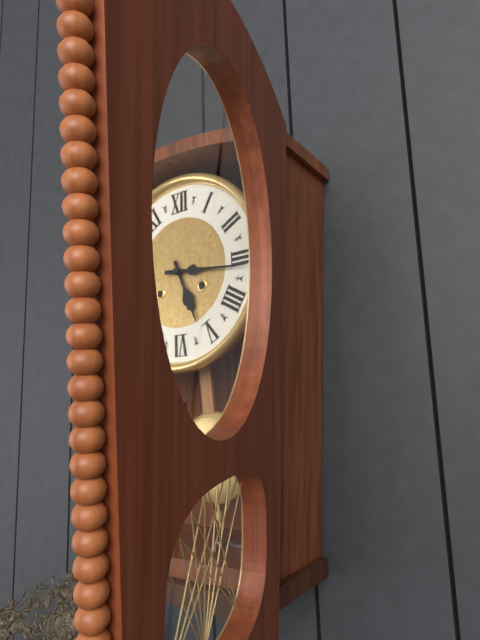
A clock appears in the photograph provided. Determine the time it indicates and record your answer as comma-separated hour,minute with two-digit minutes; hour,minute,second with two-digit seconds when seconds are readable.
5,16
